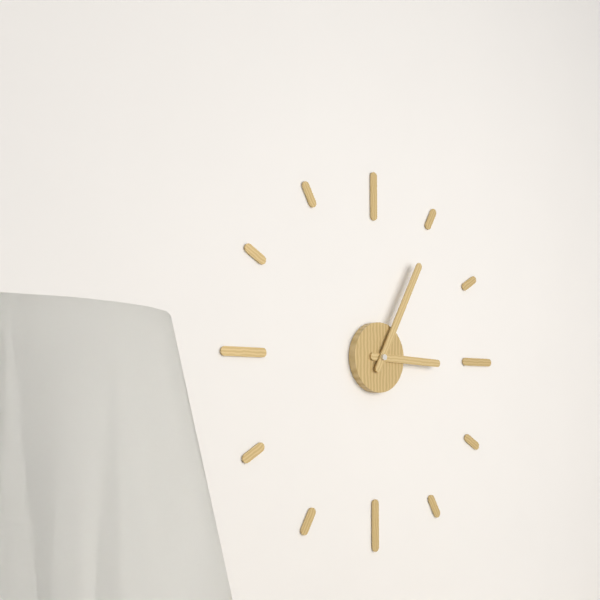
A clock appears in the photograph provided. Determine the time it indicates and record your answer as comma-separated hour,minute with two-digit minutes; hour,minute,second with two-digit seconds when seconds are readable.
3,05
